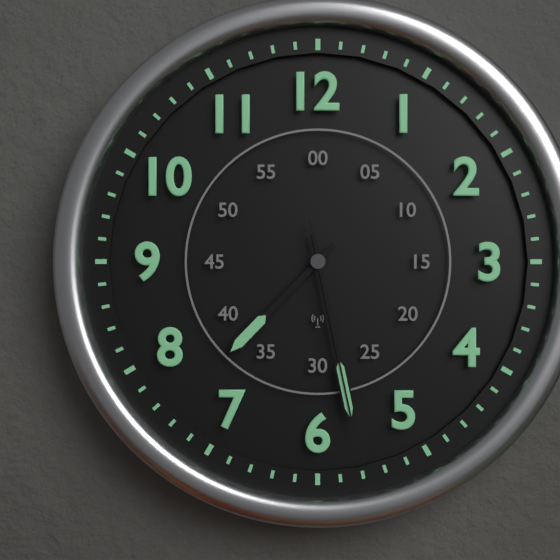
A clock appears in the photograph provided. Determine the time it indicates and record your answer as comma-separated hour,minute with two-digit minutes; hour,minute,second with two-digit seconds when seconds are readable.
7,28,28
